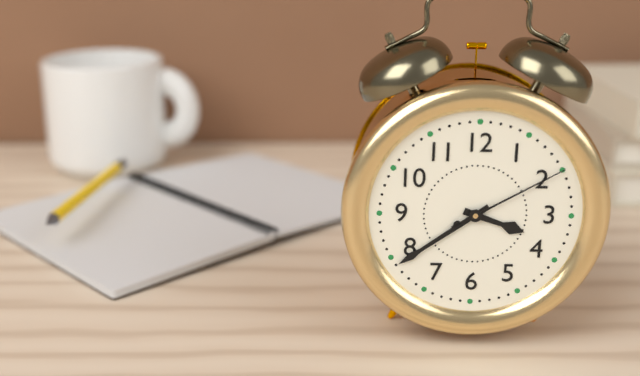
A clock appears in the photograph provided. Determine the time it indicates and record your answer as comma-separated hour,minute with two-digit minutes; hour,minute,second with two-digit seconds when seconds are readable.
3,39,10
